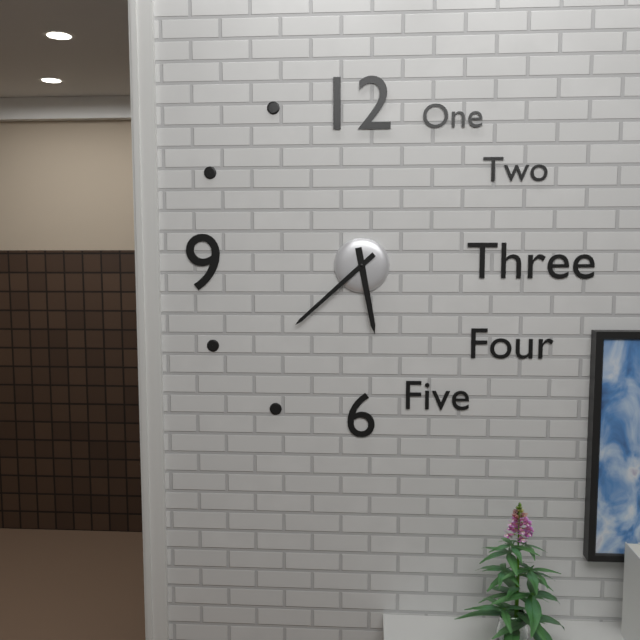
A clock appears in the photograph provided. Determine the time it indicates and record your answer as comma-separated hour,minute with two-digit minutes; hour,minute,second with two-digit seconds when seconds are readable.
5,38
